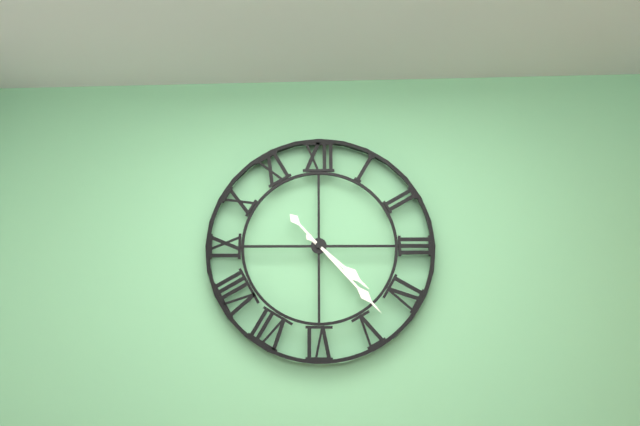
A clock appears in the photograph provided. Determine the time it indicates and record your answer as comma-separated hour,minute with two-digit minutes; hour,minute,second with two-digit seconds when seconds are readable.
4,23
